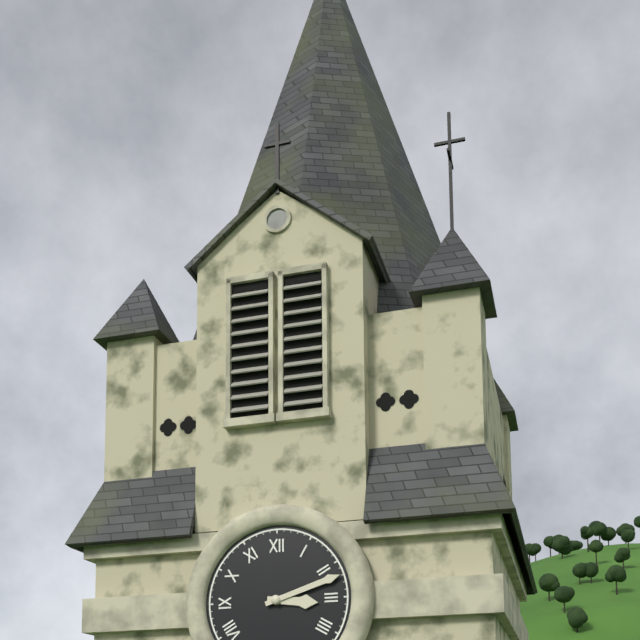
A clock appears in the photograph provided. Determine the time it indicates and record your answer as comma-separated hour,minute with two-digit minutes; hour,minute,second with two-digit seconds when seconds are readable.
3,12
